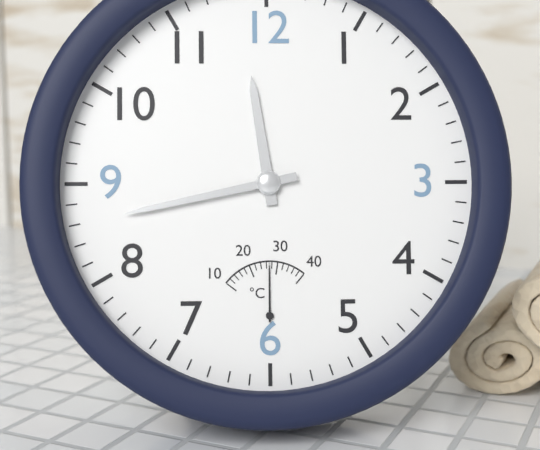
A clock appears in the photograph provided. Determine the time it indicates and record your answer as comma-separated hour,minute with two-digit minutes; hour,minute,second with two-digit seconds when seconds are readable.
11,43
